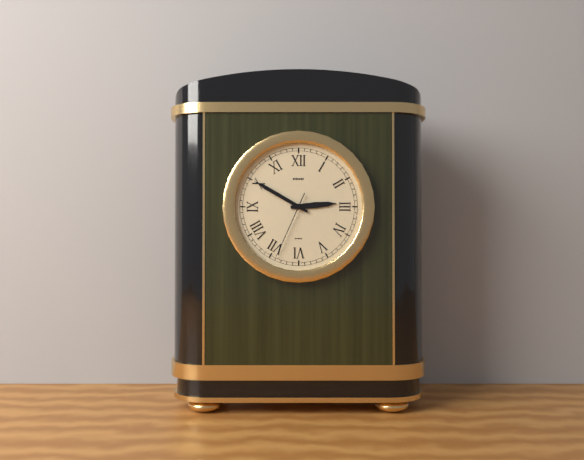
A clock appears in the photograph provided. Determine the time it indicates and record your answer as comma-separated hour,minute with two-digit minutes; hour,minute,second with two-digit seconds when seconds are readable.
2,50,34
